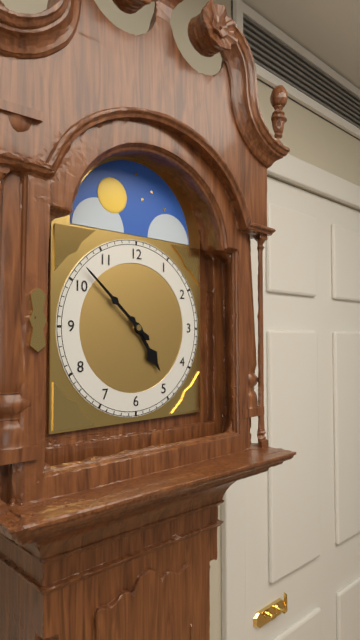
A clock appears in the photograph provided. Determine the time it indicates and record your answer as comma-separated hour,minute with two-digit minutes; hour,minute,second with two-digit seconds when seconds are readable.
4,52
